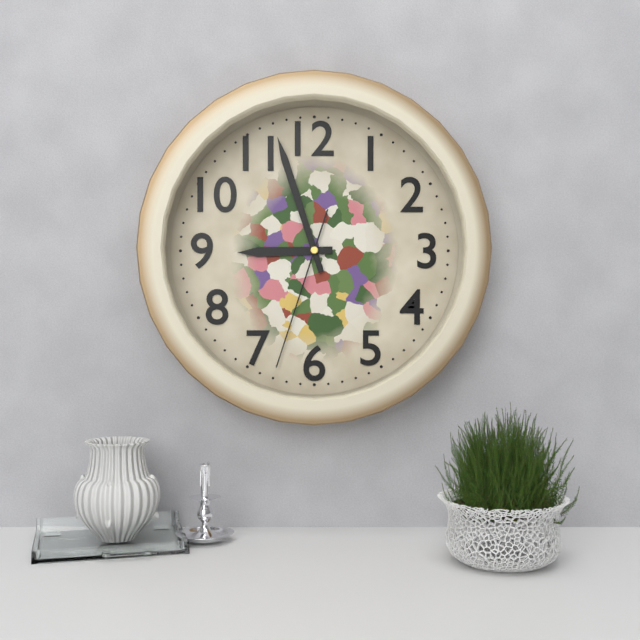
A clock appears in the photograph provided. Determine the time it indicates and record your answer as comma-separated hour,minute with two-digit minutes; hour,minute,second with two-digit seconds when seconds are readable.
8,57,33
